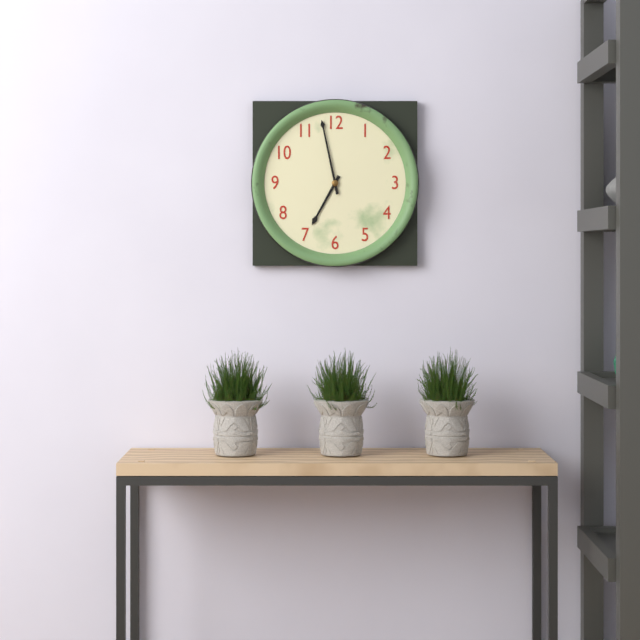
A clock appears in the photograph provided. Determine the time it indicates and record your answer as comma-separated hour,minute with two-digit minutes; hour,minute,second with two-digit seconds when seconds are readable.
6,58
